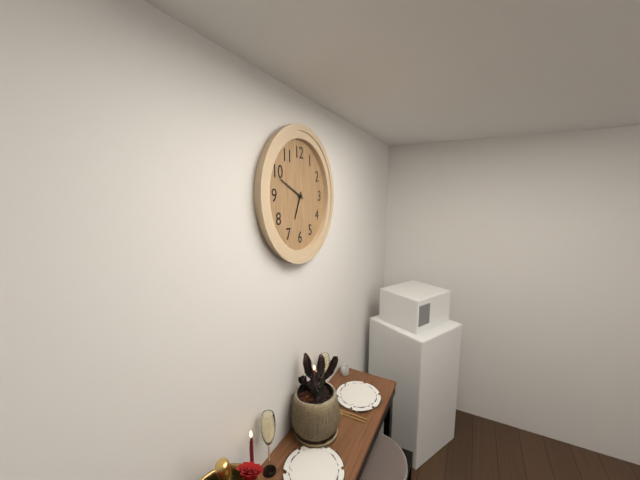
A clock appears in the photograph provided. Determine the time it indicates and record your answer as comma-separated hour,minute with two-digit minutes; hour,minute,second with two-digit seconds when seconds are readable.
6,49
